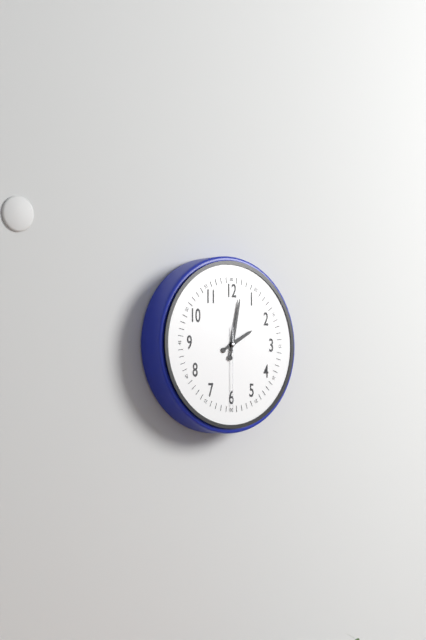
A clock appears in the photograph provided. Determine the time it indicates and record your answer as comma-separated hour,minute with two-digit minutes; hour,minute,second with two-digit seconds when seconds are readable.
2,02,30
